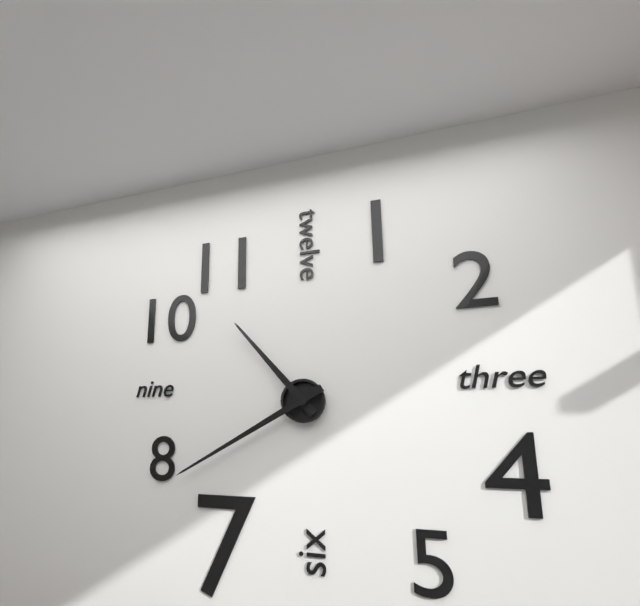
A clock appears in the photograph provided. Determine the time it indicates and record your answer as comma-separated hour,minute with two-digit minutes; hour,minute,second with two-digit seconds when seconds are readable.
10,40
